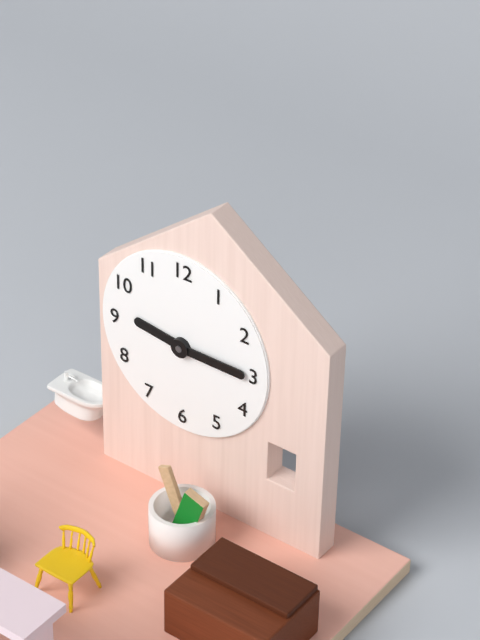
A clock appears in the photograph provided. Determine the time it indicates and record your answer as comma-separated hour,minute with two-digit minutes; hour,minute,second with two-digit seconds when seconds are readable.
9,15
